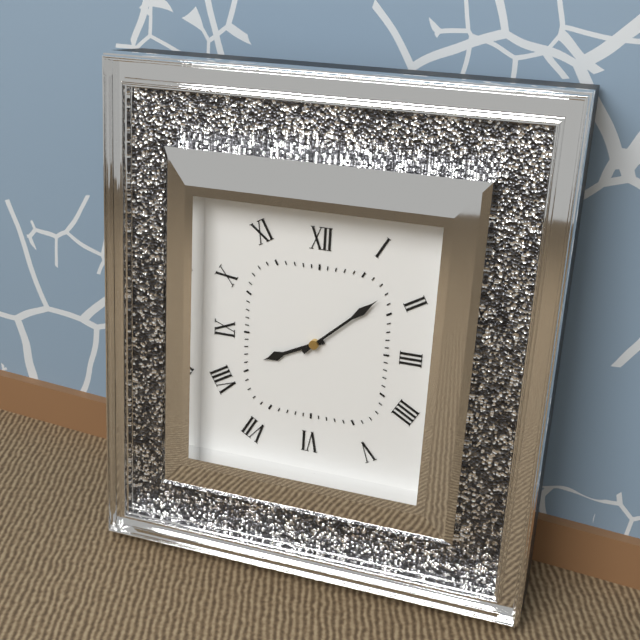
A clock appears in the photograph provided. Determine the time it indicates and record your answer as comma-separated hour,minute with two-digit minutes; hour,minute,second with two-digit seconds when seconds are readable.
8,08
